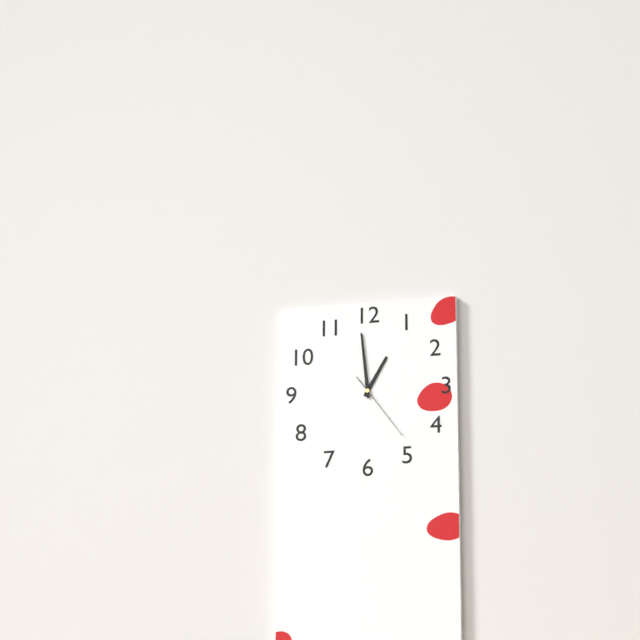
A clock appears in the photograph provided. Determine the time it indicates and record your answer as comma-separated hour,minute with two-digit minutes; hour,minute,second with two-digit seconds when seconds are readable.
12,59,24
